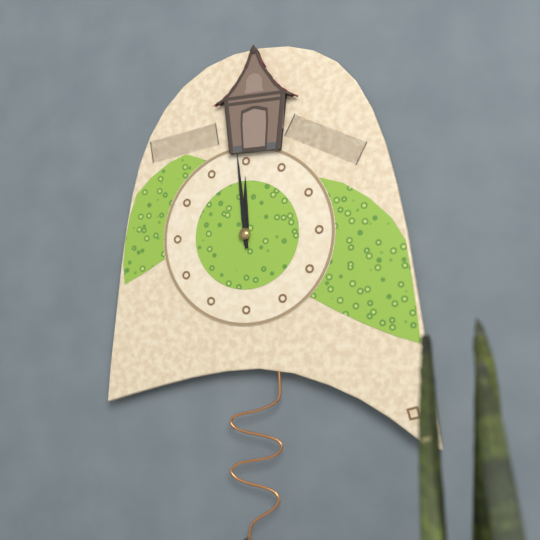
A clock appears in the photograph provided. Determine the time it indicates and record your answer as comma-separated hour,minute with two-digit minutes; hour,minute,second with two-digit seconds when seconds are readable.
11,59
